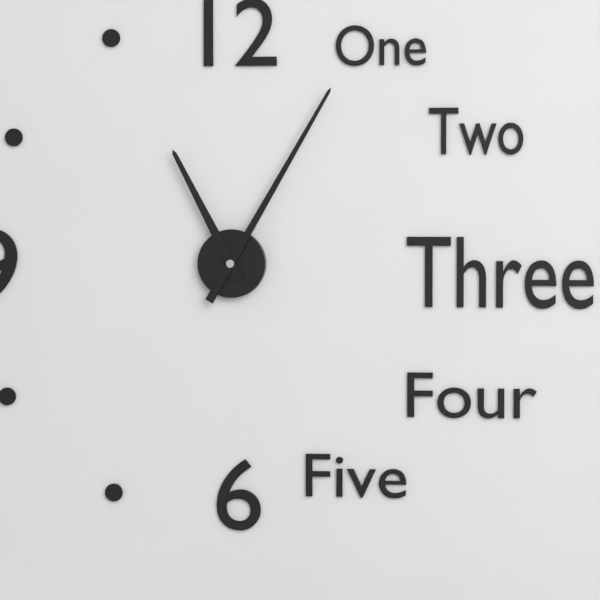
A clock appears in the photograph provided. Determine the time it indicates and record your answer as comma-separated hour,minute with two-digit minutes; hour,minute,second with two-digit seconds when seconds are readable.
11,05
